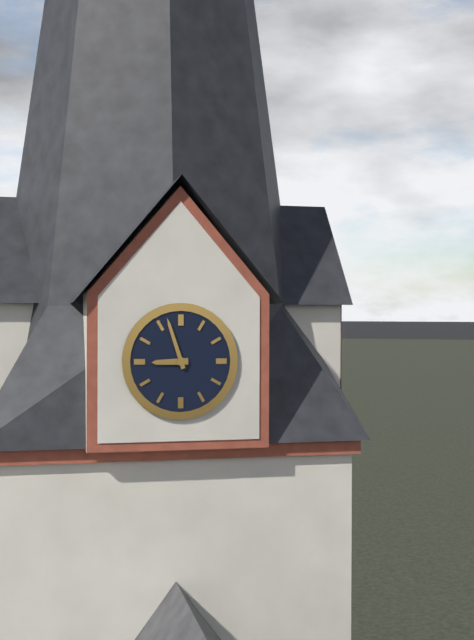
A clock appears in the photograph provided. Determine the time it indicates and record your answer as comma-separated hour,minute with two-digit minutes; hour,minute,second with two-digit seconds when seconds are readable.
8,57
